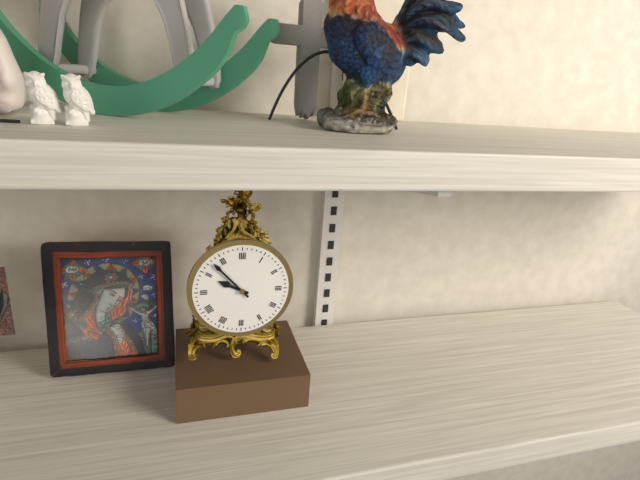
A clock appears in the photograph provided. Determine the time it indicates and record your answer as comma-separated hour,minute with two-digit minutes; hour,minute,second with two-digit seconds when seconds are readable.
9,53
